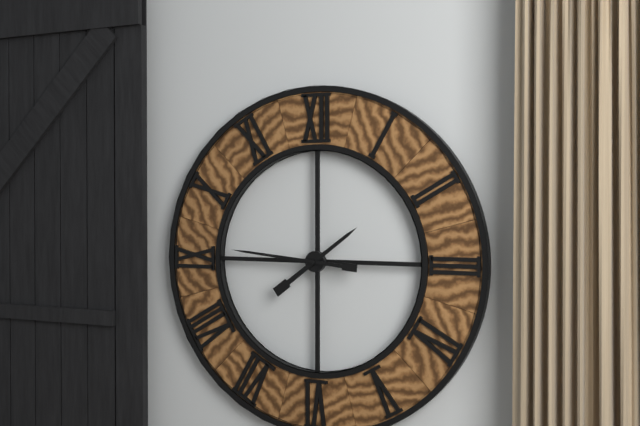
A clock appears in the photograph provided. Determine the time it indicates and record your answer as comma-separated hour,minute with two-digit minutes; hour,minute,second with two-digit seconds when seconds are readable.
1,46
